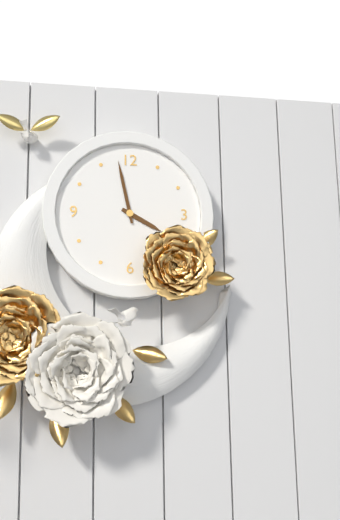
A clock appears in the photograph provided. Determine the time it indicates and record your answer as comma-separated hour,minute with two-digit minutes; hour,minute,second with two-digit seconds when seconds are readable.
3,58
